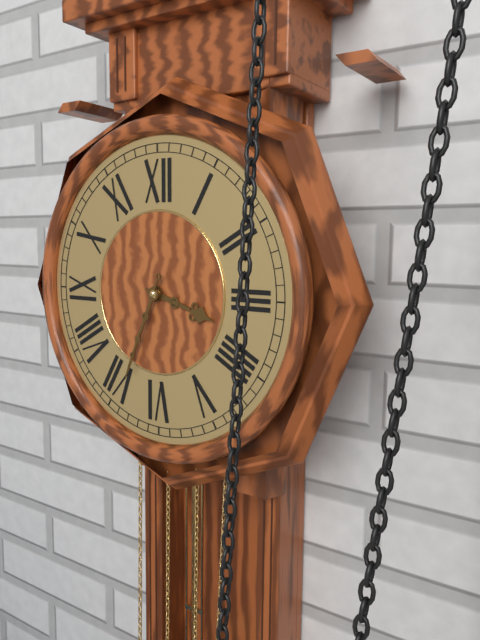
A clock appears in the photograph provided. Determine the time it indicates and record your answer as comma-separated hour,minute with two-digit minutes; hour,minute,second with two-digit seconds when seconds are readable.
3,34
